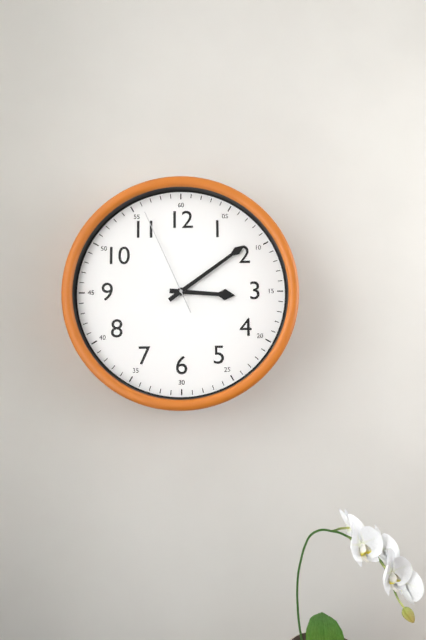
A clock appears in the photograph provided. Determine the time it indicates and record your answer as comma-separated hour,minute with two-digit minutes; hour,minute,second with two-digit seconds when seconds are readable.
3,09,56
